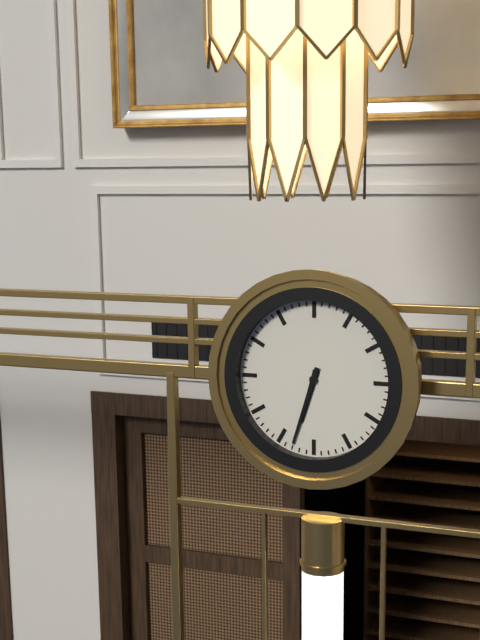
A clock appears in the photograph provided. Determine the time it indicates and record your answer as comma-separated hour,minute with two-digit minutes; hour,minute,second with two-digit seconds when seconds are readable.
6,33
